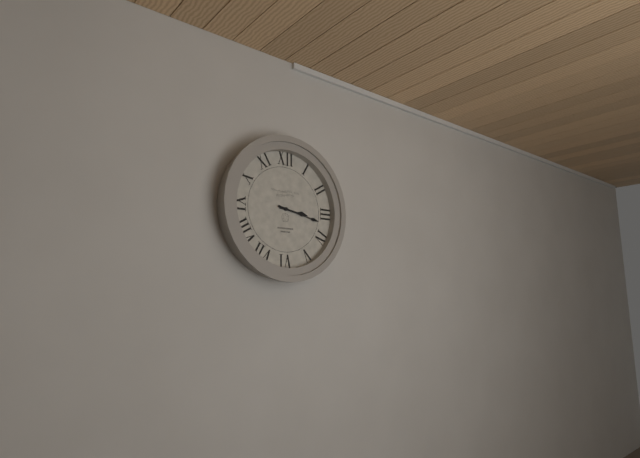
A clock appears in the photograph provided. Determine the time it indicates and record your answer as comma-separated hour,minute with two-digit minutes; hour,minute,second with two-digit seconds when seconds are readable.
3,17
